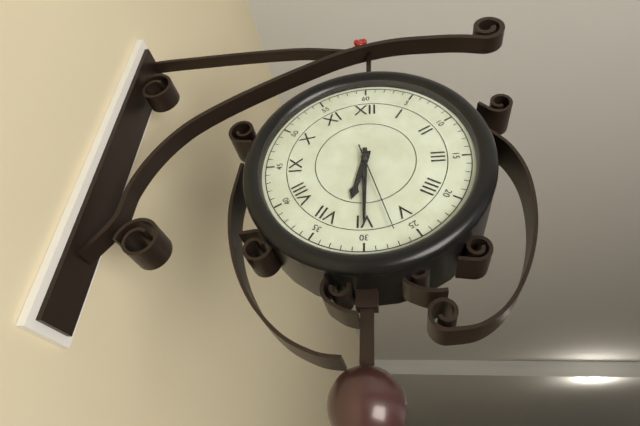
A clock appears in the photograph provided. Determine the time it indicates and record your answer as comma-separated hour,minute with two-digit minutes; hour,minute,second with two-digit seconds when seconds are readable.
6,30,27
